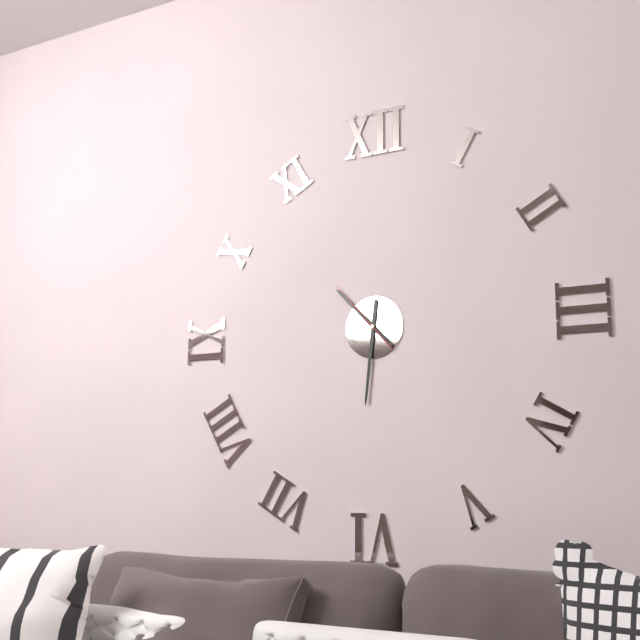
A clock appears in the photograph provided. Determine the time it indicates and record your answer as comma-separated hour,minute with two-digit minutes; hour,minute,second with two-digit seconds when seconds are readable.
10,31,53
